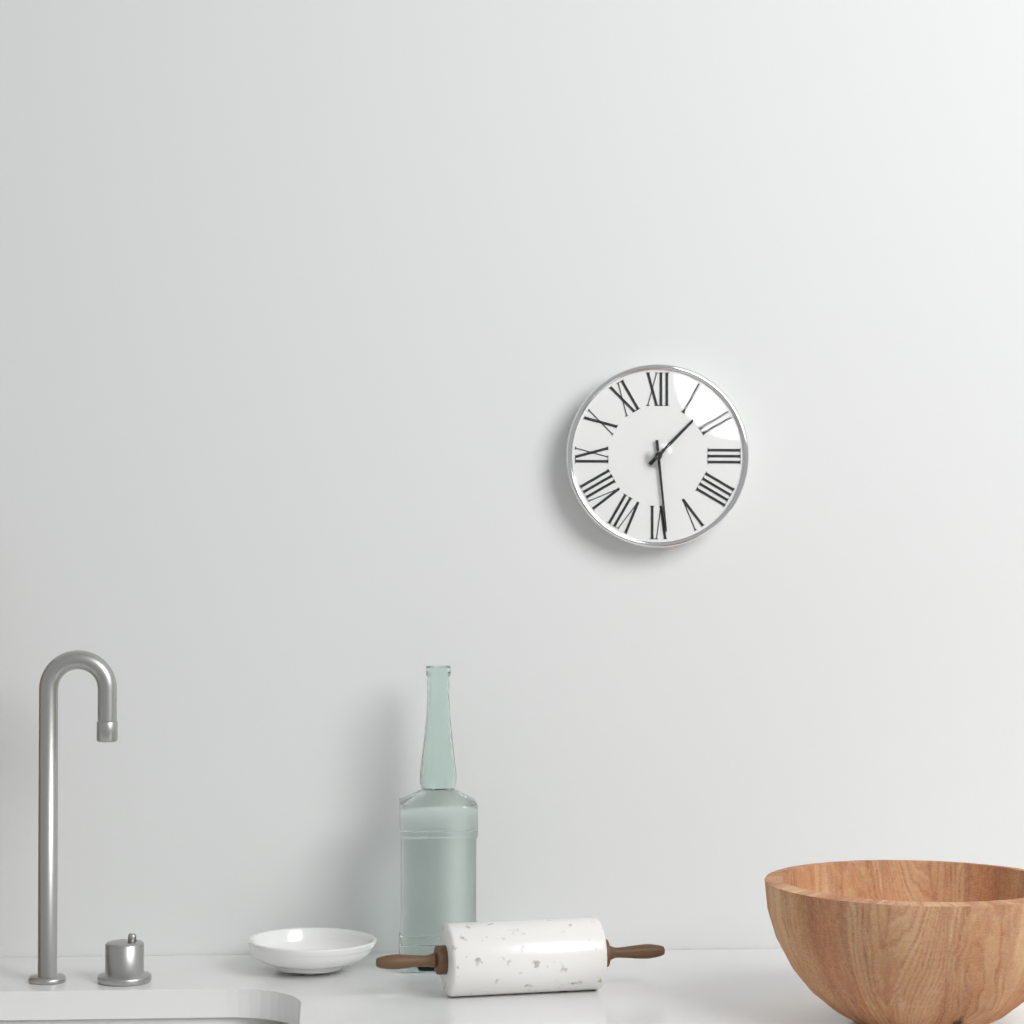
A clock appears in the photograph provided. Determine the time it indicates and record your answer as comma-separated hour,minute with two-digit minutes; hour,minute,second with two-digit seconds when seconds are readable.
1,29
